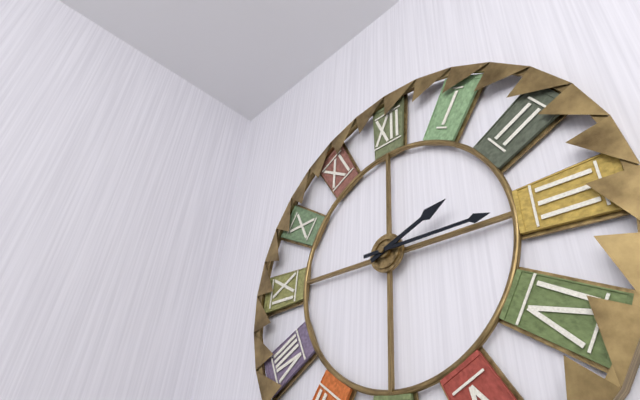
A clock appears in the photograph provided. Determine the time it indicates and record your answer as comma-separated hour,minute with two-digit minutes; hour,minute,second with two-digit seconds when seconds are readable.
2,15
